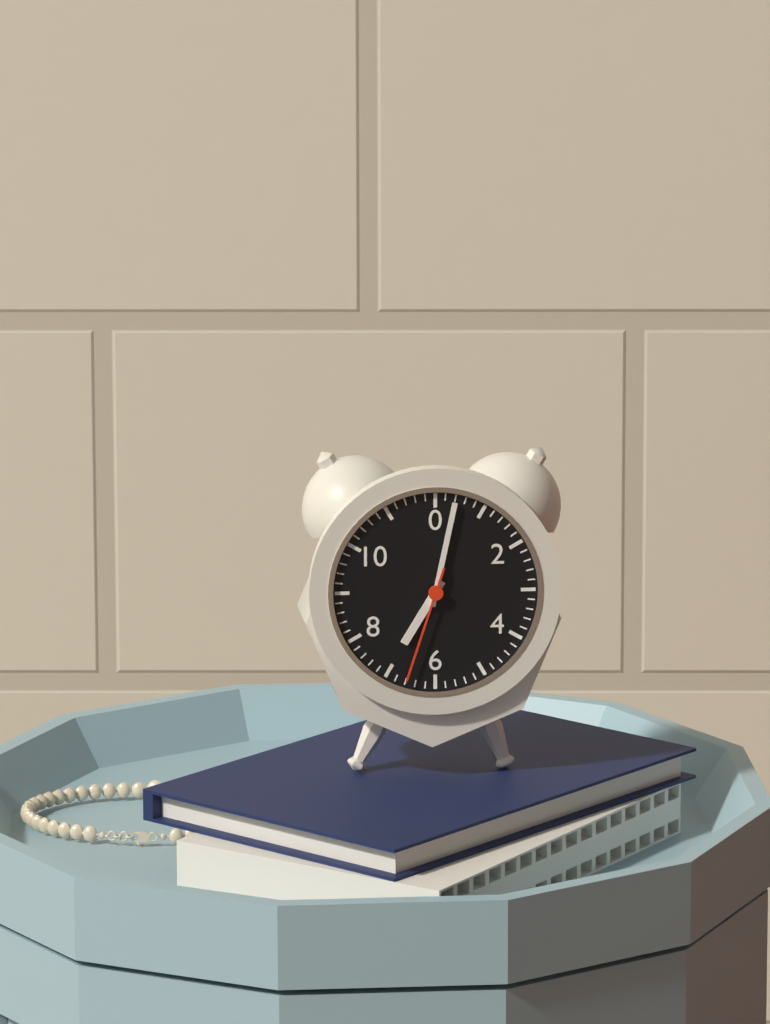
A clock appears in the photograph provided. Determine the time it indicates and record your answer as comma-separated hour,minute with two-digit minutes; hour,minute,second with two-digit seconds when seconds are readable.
7,02,33
